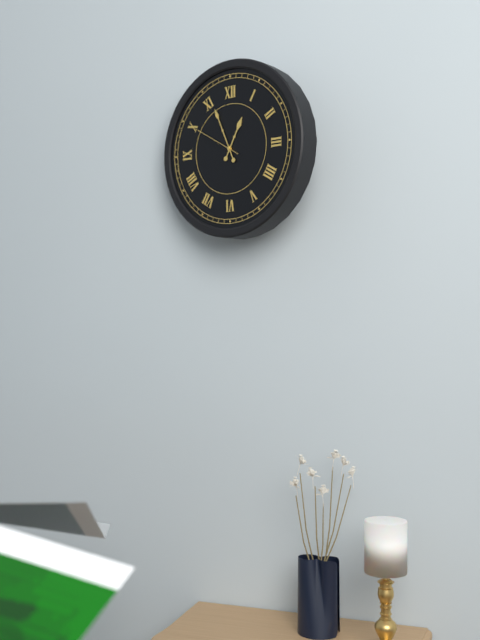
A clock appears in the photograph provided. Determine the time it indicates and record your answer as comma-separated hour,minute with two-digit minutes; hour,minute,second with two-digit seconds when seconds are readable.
12,56
